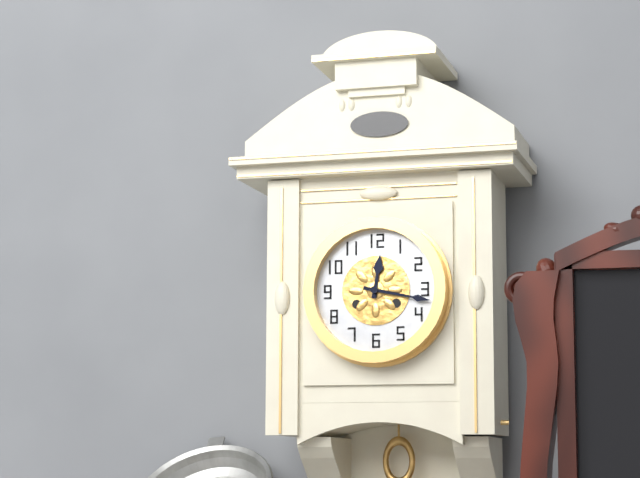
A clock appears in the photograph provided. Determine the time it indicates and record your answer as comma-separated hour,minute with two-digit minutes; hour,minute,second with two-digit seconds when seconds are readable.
12,17
